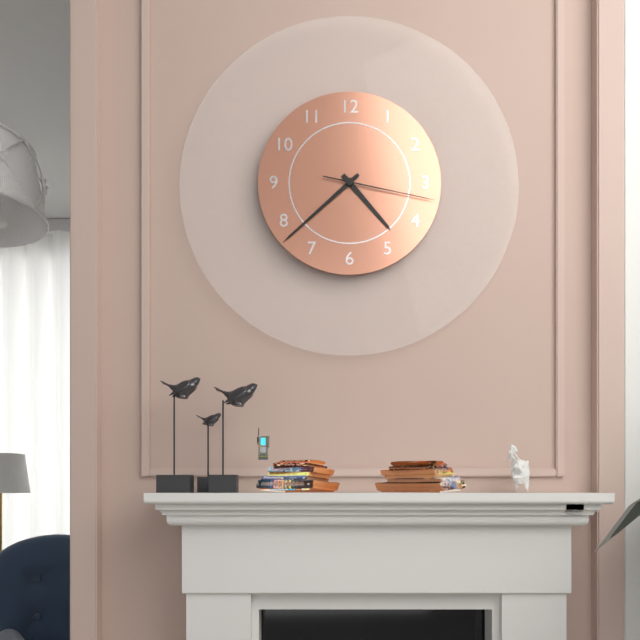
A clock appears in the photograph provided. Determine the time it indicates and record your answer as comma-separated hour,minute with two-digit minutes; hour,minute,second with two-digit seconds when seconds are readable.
4,38,17
